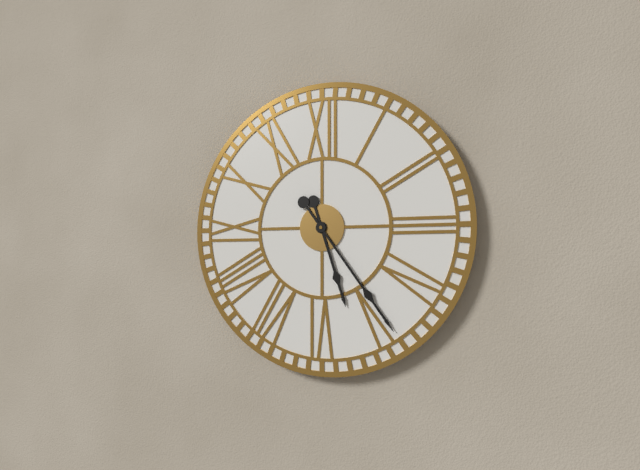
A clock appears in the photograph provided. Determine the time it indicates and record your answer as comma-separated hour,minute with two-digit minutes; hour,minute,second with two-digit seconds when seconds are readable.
5,24
